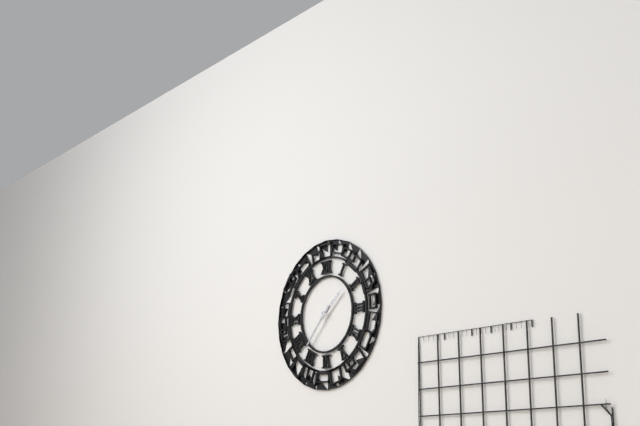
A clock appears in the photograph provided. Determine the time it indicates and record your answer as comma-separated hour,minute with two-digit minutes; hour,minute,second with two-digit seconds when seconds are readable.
1,37
